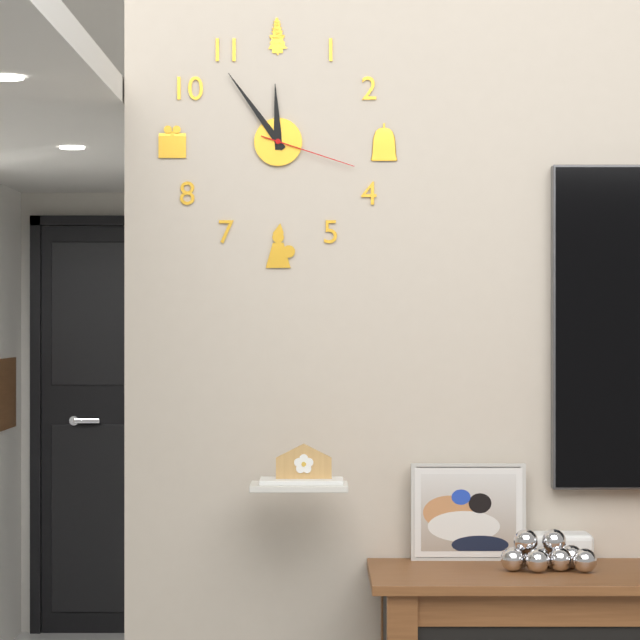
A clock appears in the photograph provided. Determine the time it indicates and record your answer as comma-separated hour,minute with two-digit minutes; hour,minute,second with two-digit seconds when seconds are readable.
11,54,18
